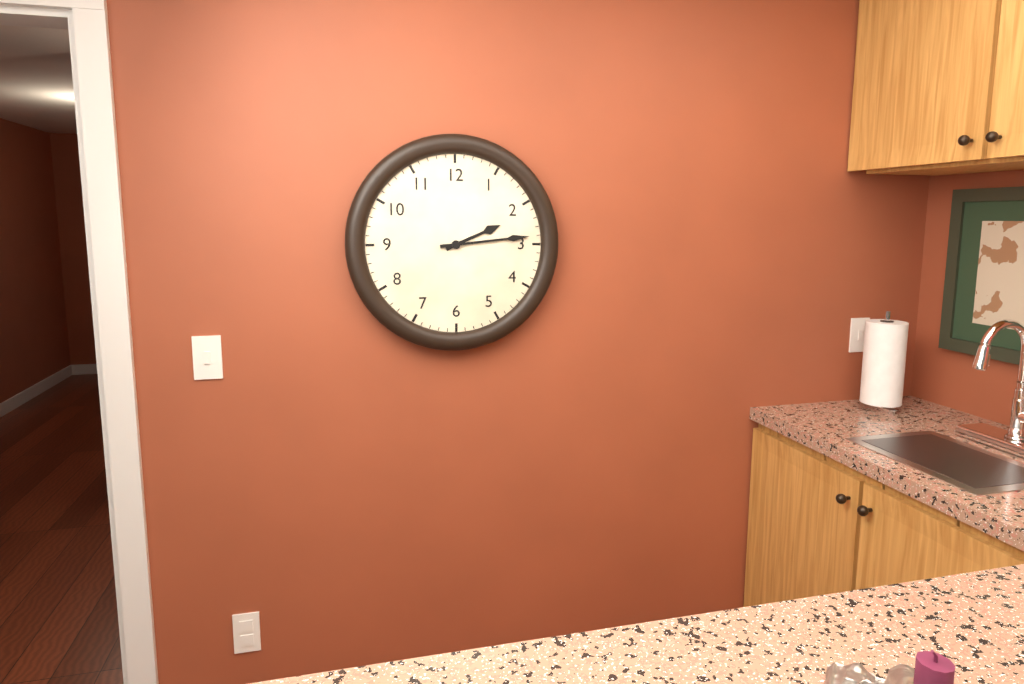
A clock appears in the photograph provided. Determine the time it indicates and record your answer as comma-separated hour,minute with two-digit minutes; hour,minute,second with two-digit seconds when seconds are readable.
2,14
